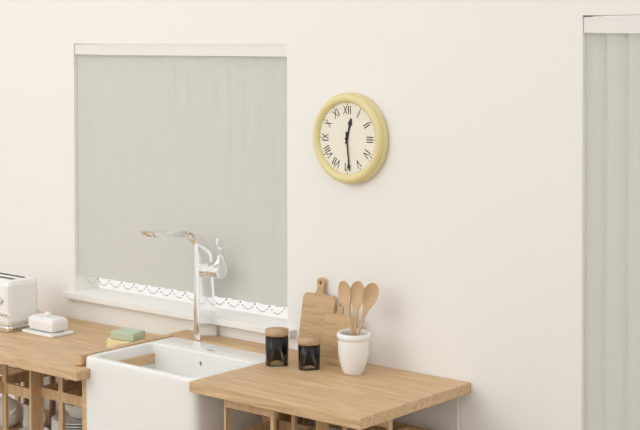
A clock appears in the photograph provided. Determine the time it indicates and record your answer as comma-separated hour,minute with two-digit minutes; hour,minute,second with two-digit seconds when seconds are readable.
12,29
